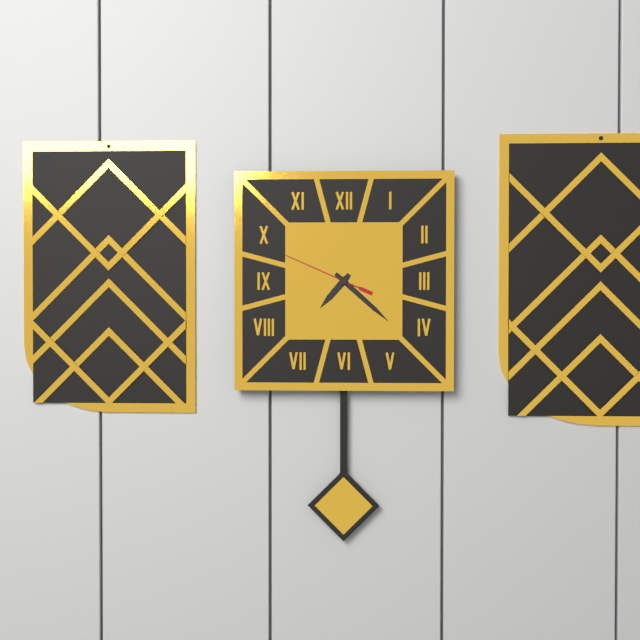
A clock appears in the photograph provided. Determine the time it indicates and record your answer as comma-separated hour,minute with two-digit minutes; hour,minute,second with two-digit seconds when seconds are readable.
7,22,49
